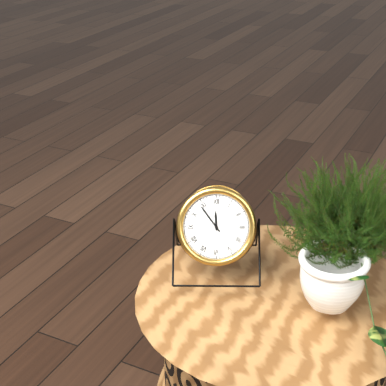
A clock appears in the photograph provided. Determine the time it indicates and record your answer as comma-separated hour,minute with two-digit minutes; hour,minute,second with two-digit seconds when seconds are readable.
11,54
